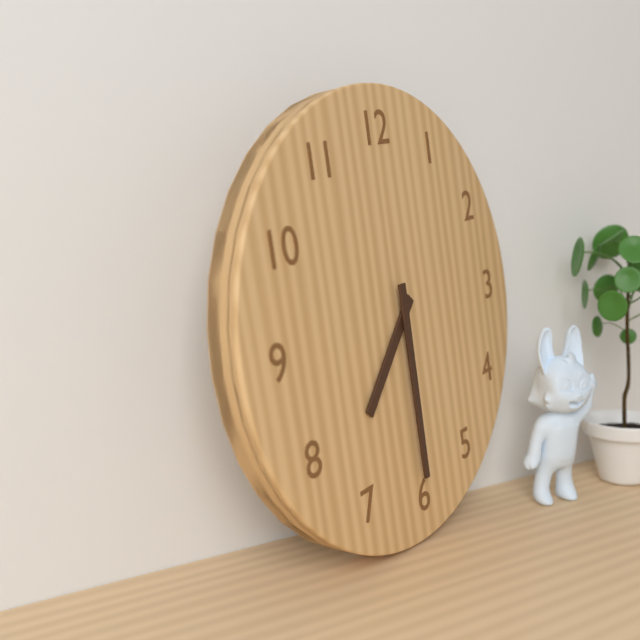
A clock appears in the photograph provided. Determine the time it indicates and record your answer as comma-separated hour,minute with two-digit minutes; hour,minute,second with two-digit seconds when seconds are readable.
7,30
